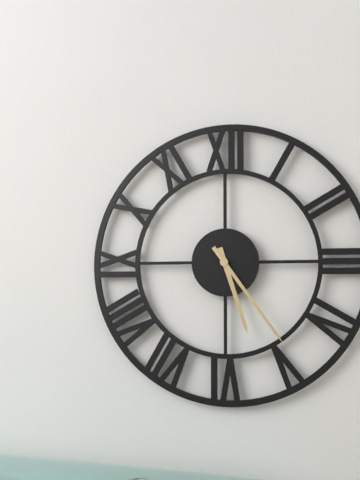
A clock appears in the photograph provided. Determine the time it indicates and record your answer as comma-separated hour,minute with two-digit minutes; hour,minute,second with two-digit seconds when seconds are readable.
5,24
